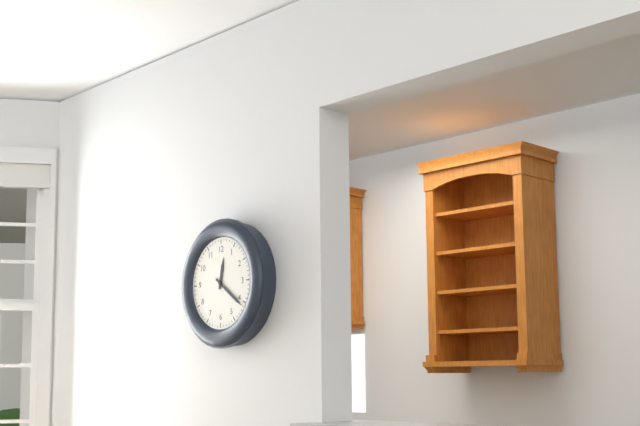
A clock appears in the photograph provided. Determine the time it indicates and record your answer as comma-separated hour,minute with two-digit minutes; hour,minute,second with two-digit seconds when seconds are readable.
12,21
